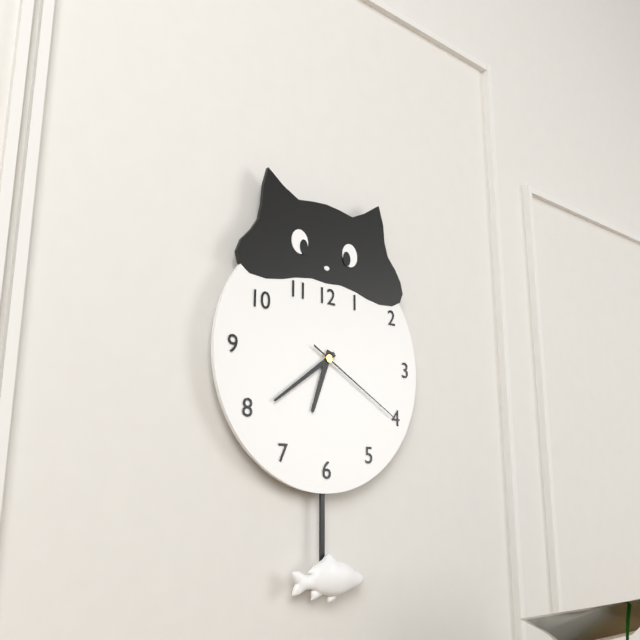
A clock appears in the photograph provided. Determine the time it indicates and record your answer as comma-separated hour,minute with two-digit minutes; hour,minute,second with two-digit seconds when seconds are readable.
6,39,20
